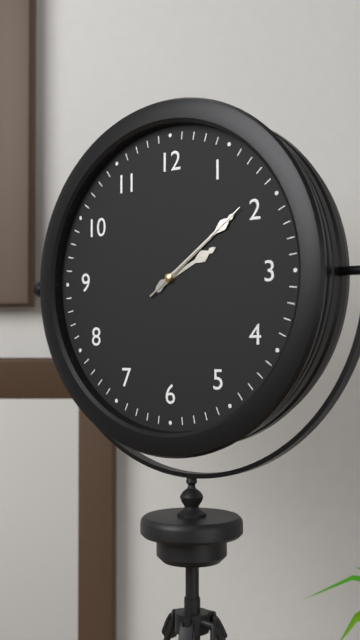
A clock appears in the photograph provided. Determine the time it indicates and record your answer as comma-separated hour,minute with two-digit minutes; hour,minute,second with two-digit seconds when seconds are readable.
2,09,09
